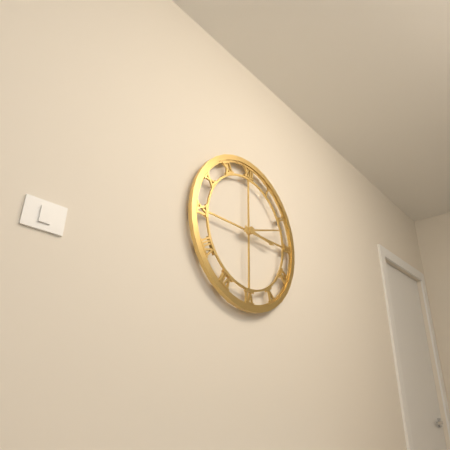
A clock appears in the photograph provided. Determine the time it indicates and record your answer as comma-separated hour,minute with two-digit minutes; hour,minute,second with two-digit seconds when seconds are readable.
3,12
